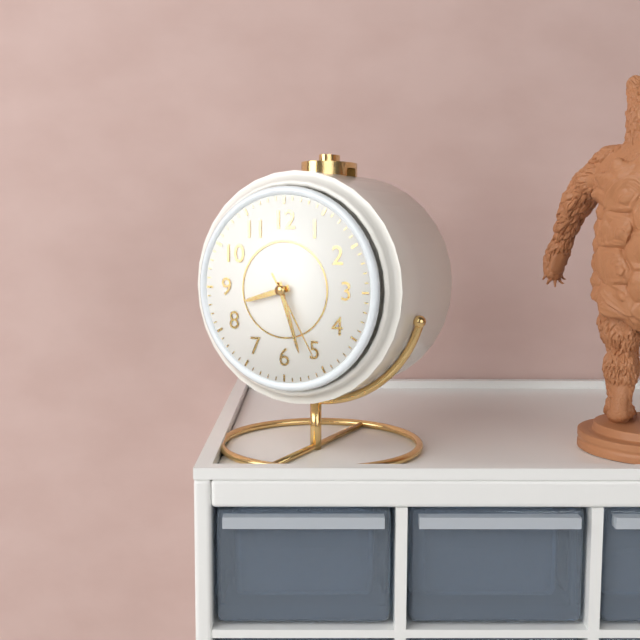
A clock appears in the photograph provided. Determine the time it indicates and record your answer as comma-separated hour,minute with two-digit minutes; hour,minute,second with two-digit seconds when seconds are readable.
8,27,25
